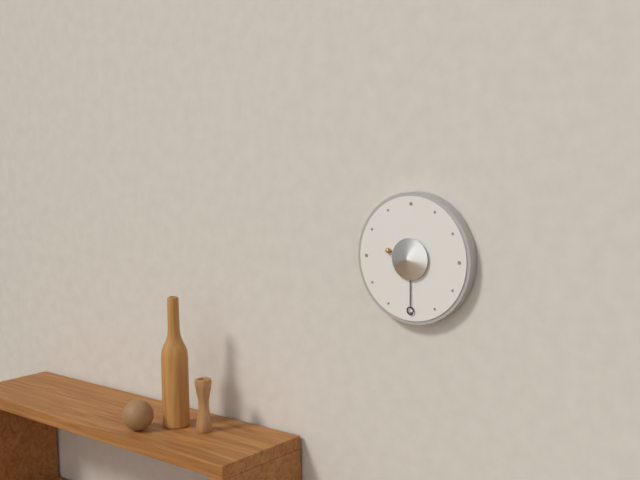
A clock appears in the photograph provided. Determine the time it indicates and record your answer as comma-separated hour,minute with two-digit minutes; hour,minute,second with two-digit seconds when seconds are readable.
9,30
